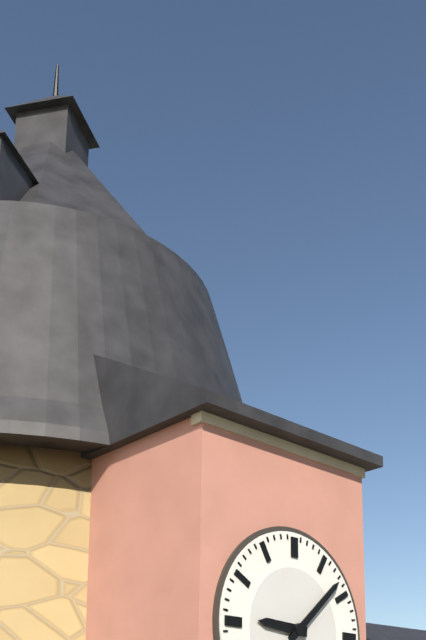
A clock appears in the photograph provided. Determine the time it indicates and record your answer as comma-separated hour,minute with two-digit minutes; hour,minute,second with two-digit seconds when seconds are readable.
9,08
